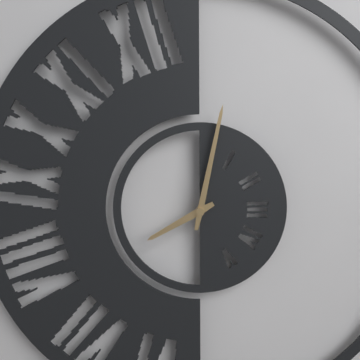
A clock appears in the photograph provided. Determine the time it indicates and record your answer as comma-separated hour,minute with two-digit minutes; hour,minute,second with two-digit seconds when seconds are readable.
8,02
